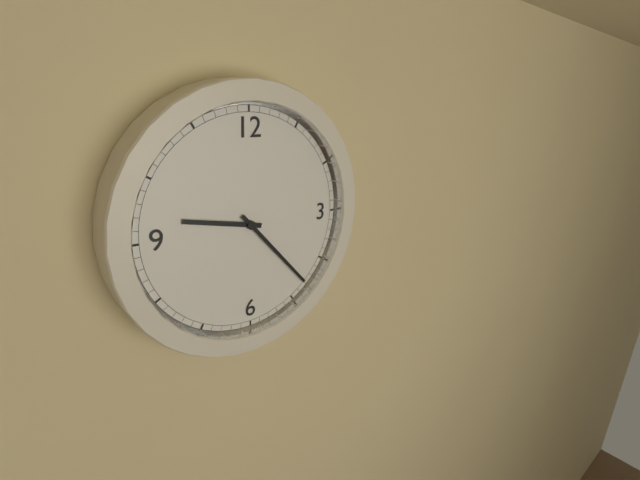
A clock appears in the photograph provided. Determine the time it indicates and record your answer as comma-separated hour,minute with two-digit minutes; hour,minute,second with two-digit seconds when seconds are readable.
9,23
